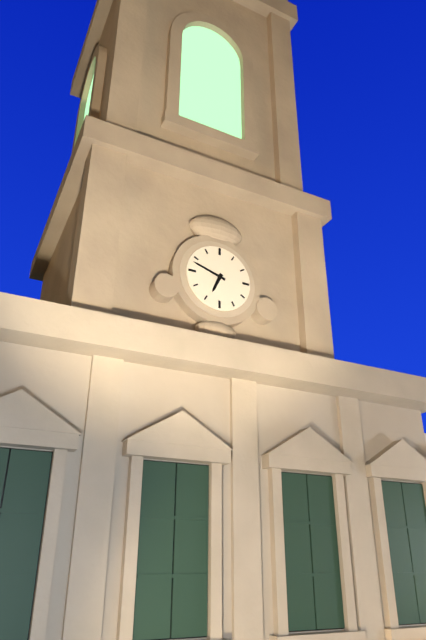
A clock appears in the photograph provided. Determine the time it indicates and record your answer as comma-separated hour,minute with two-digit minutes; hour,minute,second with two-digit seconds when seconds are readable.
6,48
